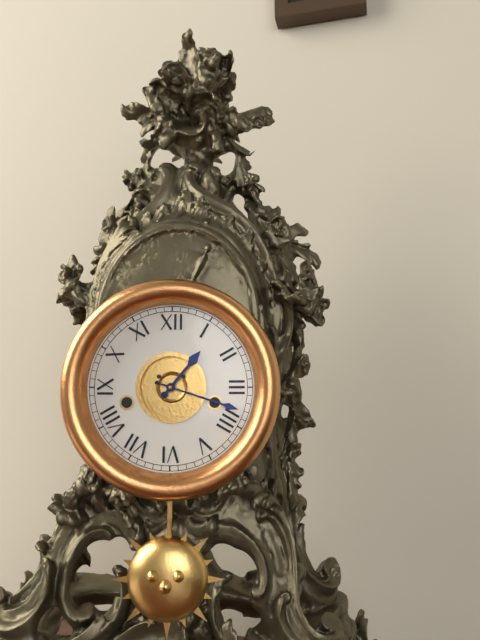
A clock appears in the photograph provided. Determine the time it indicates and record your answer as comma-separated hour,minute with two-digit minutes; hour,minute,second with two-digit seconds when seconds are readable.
1,18
